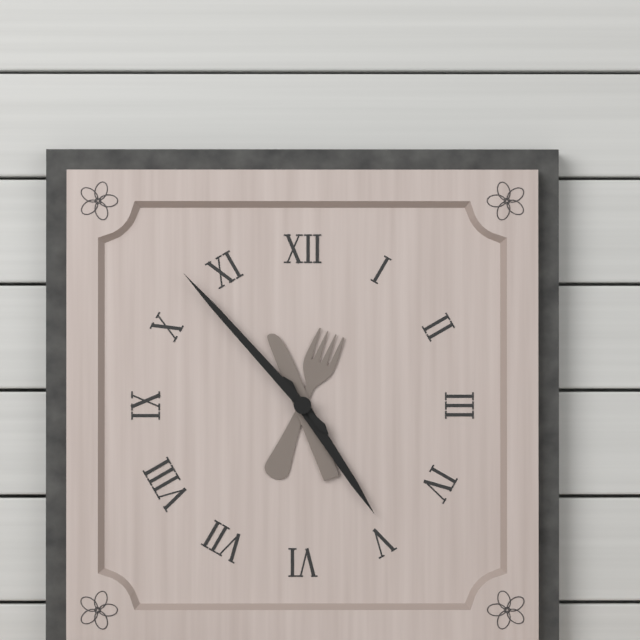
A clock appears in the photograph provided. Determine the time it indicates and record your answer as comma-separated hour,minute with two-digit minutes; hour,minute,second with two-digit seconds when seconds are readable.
4,53
